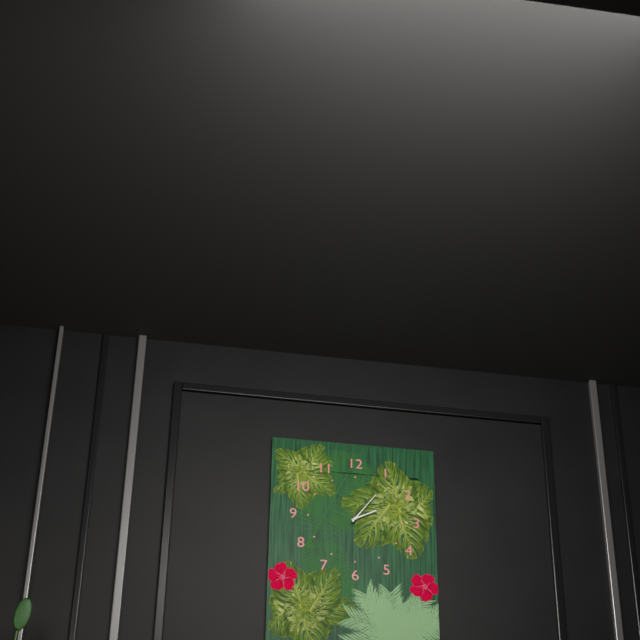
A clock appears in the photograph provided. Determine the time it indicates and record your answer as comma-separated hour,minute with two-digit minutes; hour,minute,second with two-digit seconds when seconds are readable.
2,06
